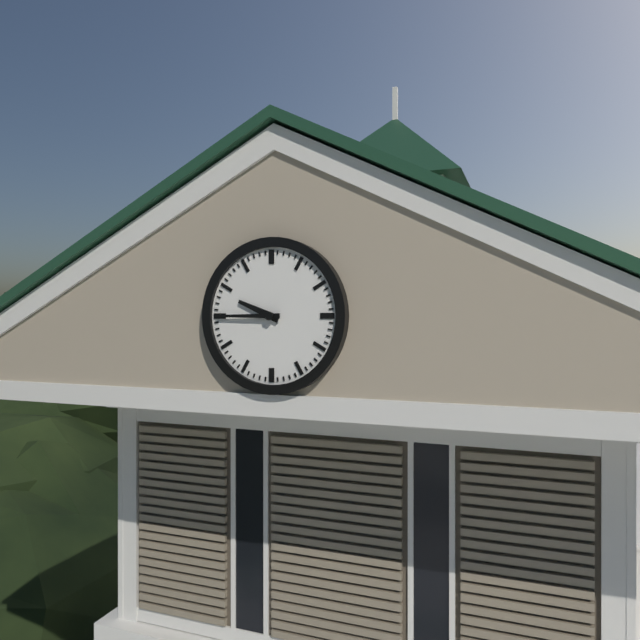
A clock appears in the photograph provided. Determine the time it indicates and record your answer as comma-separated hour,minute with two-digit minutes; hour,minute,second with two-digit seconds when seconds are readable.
9,45
